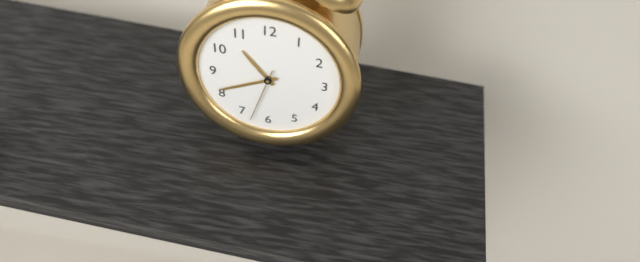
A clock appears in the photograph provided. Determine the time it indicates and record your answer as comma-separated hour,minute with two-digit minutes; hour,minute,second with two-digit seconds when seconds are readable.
10,41,33
